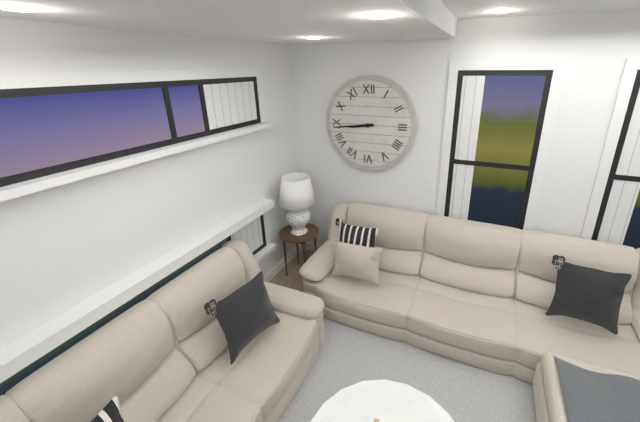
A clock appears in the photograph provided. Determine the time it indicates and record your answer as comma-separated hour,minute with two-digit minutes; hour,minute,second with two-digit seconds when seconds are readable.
8,44
